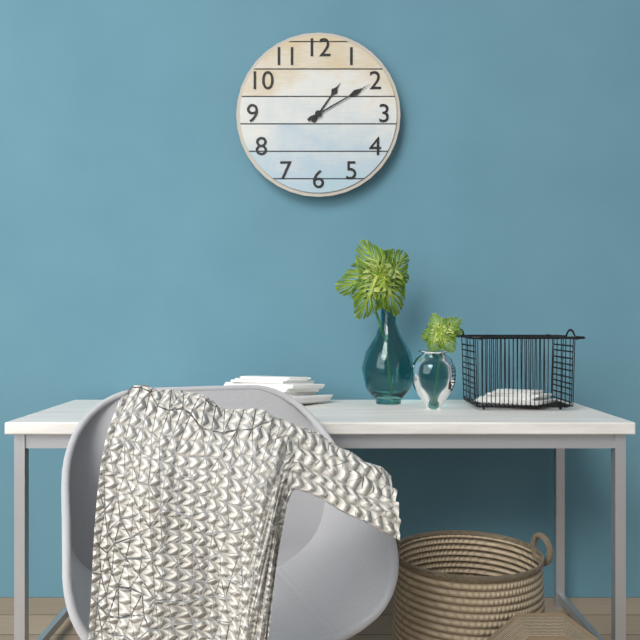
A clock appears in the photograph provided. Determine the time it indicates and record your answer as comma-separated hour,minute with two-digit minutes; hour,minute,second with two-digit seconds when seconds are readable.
1,10
